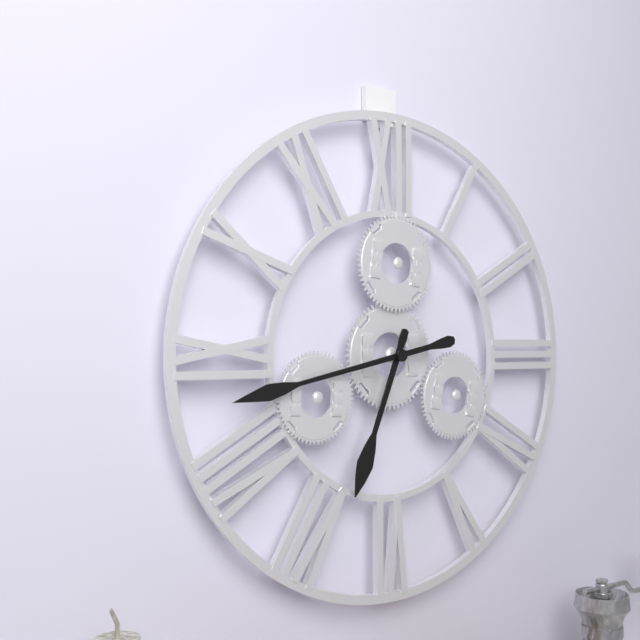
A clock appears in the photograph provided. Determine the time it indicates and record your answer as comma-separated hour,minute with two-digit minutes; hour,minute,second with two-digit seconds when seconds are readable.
6,43
